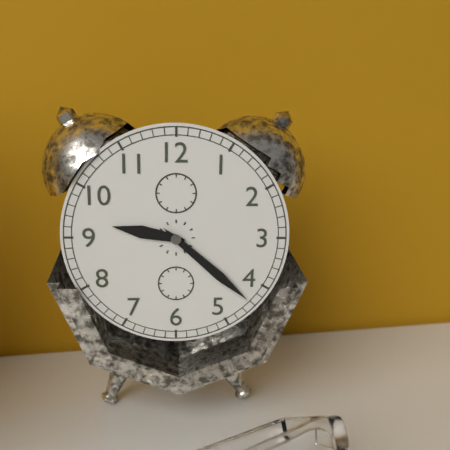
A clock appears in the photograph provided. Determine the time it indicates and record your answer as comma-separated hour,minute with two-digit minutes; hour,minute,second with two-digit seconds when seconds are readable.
9,22
